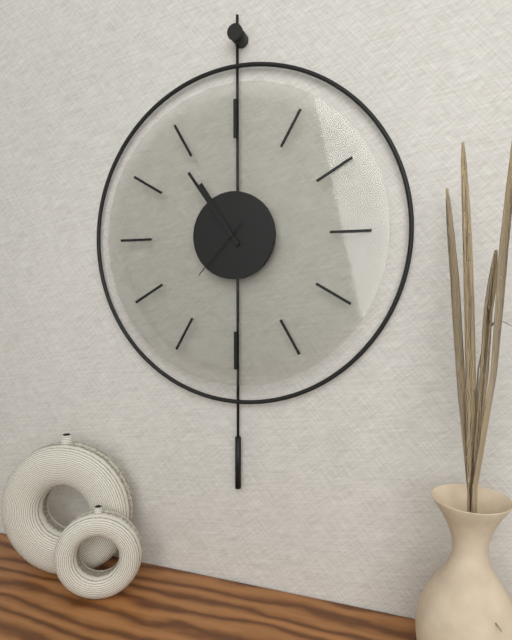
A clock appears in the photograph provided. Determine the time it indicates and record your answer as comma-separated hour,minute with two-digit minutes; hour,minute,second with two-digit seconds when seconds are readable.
10,54,37
